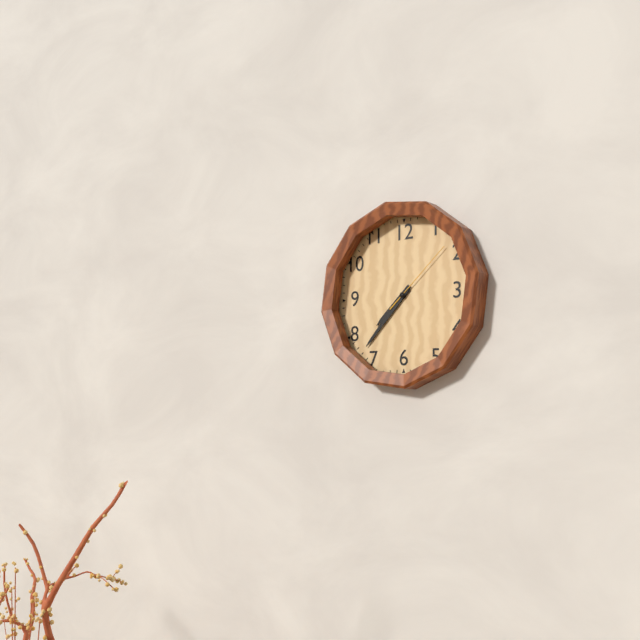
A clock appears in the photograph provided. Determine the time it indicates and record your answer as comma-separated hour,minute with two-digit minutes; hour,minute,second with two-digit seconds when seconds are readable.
7,37,08
